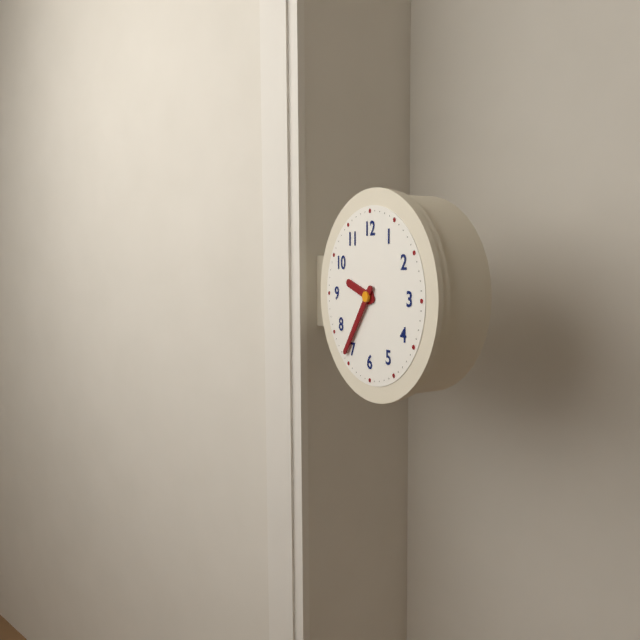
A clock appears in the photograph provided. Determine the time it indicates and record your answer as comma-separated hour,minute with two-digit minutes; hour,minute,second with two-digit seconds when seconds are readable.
9,36
